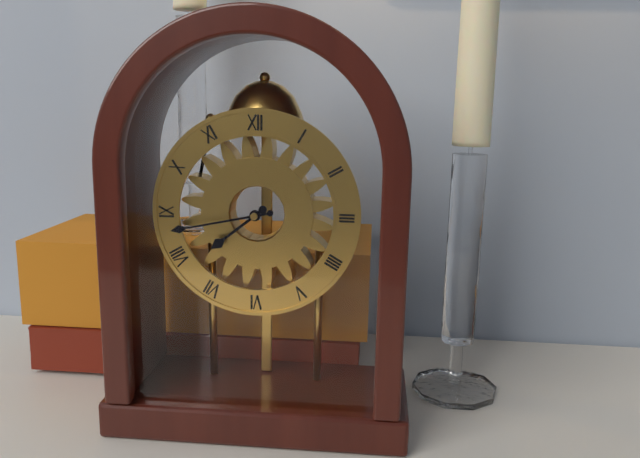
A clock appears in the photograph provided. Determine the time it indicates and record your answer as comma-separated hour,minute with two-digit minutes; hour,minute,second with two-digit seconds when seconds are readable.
7,43
